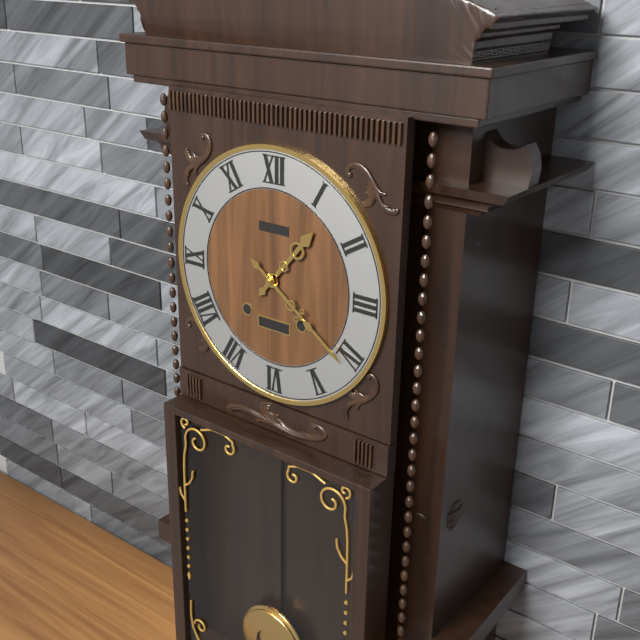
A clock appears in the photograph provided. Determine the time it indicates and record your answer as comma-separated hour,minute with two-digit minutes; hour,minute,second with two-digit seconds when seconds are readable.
1,21
